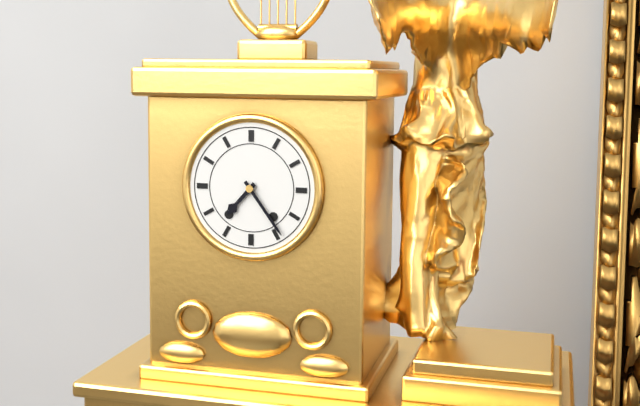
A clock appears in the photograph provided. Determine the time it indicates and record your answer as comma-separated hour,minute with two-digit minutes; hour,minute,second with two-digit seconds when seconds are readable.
7,24
